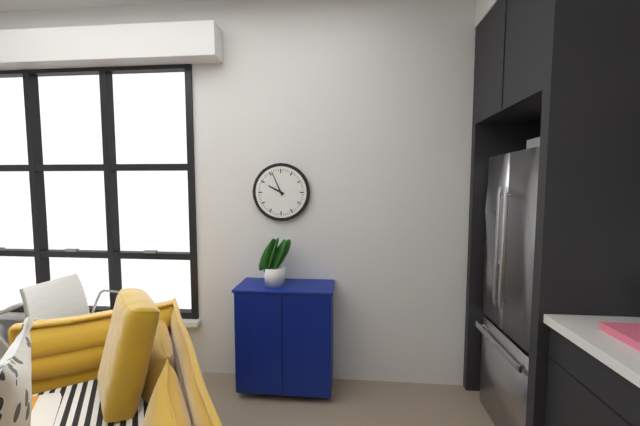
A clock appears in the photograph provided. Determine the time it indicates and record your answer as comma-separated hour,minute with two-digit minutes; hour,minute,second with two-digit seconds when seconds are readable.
9,56
